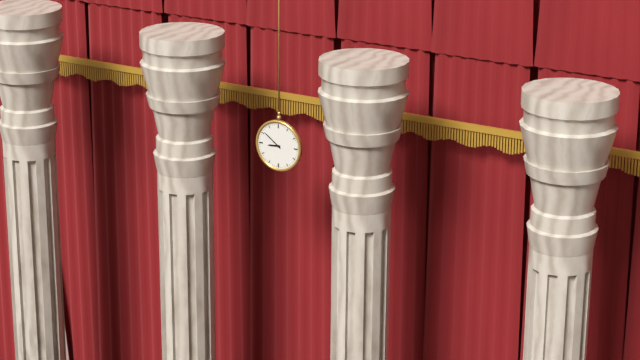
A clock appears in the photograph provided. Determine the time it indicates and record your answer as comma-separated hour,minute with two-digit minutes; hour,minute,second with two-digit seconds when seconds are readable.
8,51
